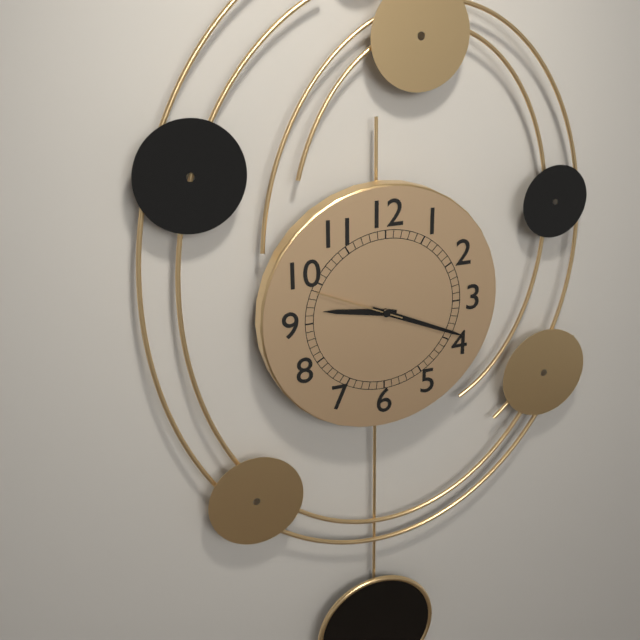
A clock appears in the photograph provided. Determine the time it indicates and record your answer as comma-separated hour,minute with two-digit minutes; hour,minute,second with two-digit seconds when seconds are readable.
9,19,49
